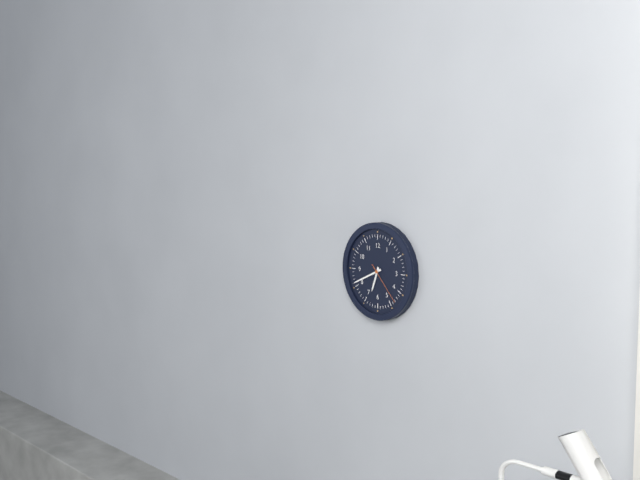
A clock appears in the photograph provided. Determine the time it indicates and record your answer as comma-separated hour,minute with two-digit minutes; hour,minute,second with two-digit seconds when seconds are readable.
6,41
